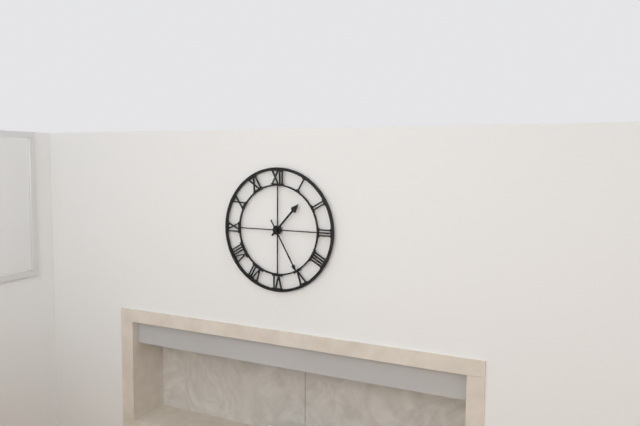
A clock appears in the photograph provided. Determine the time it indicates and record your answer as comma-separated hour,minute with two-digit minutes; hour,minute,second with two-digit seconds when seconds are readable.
1,25
